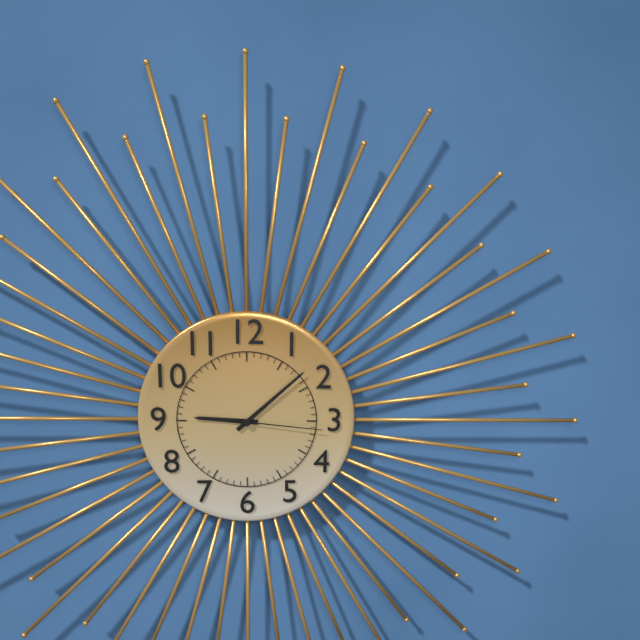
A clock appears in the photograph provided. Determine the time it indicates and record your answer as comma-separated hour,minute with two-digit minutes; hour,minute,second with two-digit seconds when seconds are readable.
9,08,16
